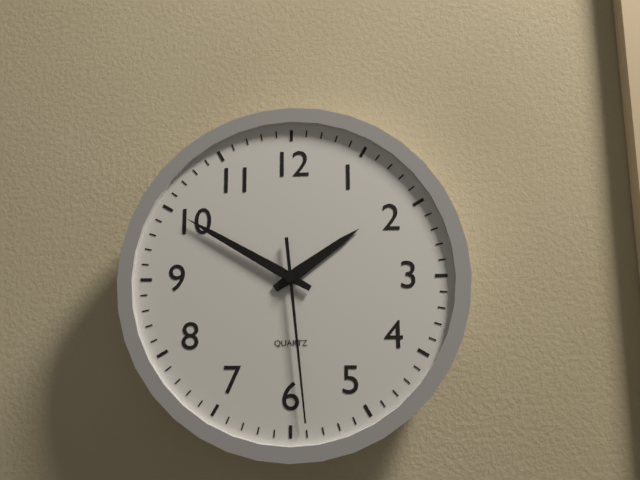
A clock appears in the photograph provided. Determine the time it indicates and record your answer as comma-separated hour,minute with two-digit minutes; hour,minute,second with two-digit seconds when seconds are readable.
1,50,29
